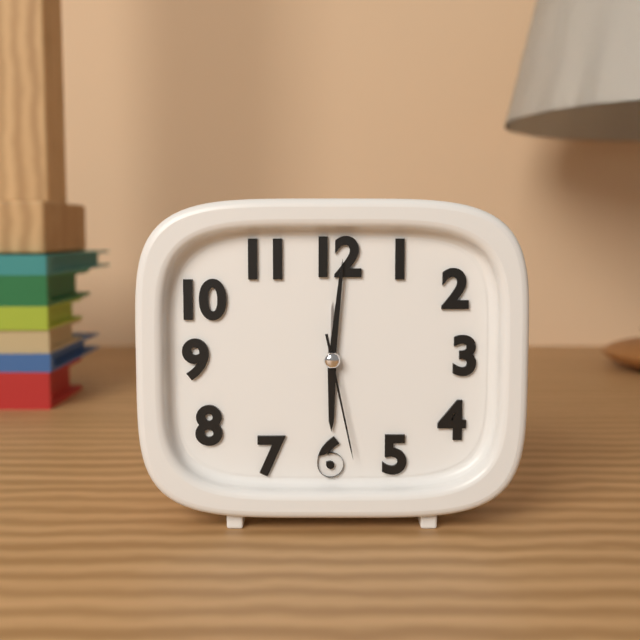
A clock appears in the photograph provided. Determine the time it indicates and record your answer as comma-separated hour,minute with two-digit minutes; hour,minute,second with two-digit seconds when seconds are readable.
6,01,28
